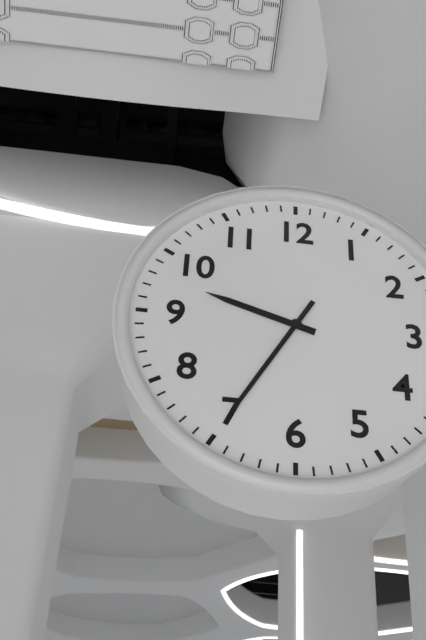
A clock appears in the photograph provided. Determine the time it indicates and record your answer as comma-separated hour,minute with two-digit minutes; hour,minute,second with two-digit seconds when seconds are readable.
9,35
